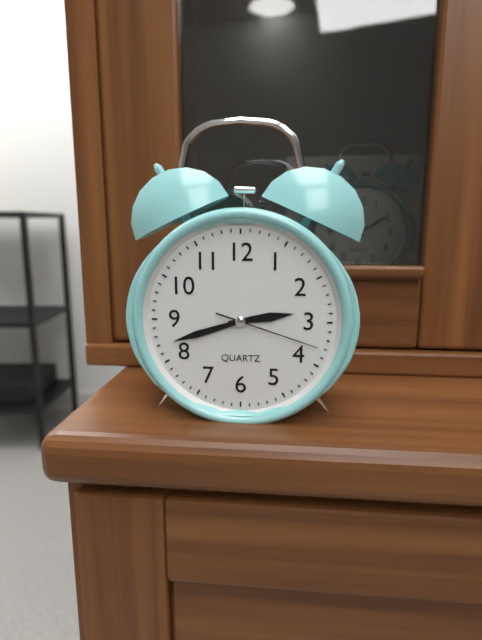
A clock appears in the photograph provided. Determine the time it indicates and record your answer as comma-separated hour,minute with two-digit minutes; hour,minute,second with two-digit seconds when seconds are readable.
2,42,18
